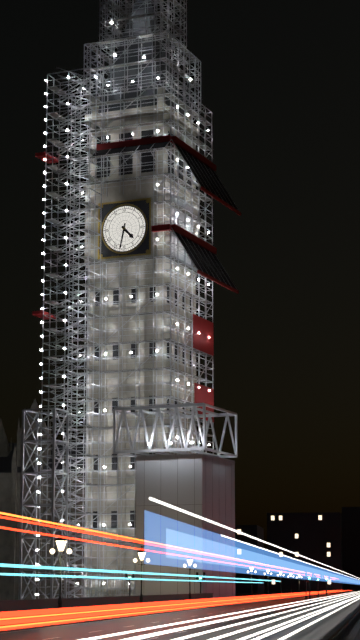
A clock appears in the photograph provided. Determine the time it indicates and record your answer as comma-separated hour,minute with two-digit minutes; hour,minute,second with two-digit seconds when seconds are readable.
4,32
